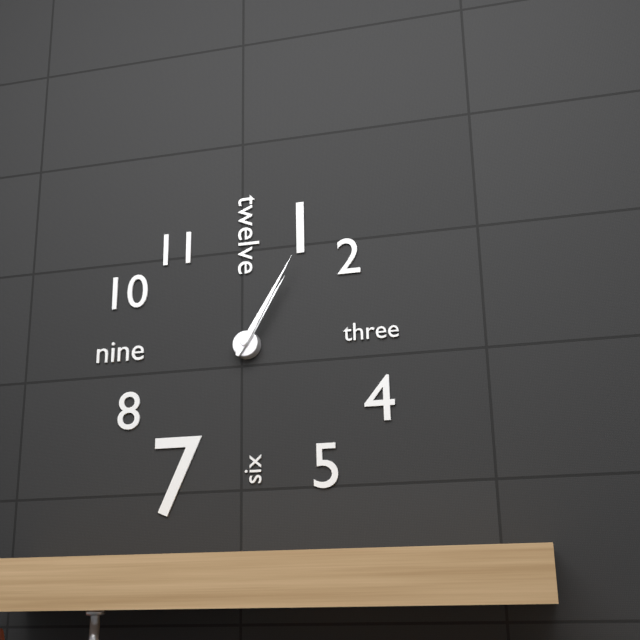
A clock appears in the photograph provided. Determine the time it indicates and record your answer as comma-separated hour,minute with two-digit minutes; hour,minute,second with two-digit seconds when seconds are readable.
1,05
